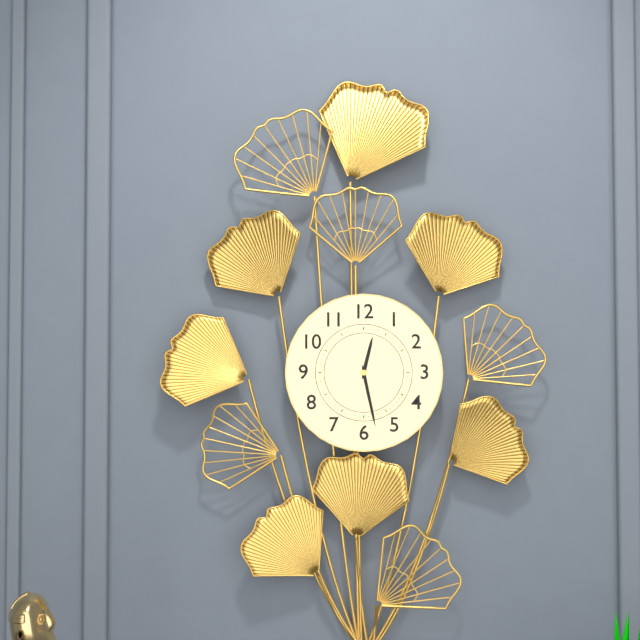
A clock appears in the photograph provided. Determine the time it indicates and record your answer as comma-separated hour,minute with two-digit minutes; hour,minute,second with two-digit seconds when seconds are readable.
12,28
